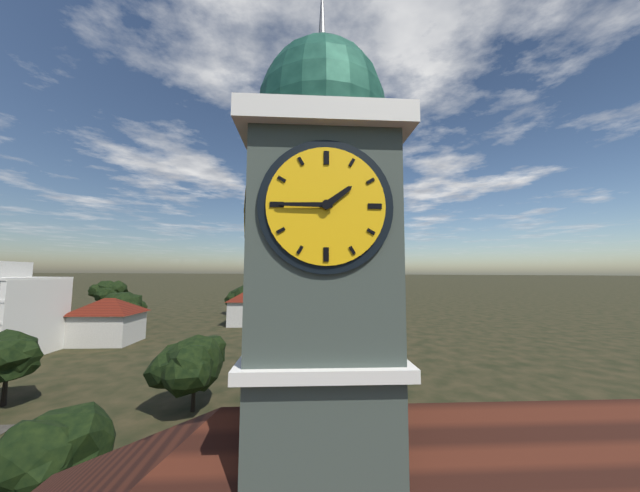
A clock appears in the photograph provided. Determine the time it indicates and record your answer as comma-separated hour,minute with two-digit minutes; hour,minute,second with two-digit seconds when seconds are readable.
1,45
